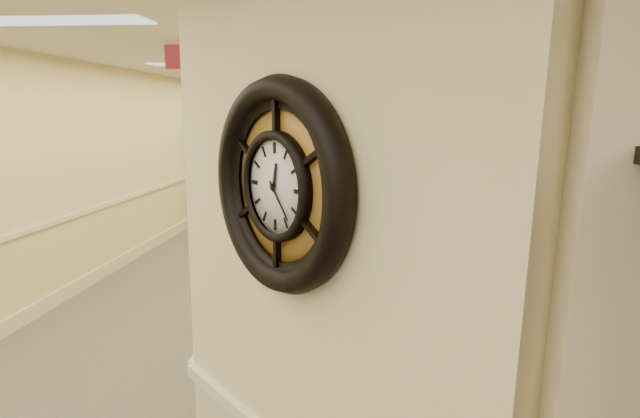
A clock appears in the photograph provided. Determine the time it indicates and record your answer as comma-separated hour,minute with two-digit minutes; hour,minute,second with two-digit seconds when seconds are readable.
12,23
